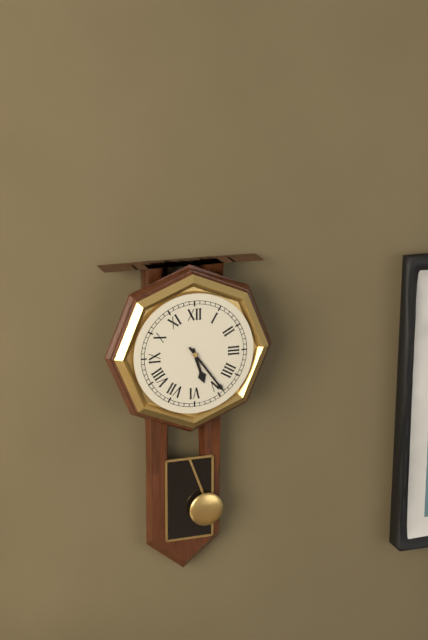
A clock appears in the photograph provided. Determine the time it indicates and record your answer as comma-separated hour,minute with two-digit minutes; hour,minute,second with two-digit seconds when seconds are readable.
5,24
